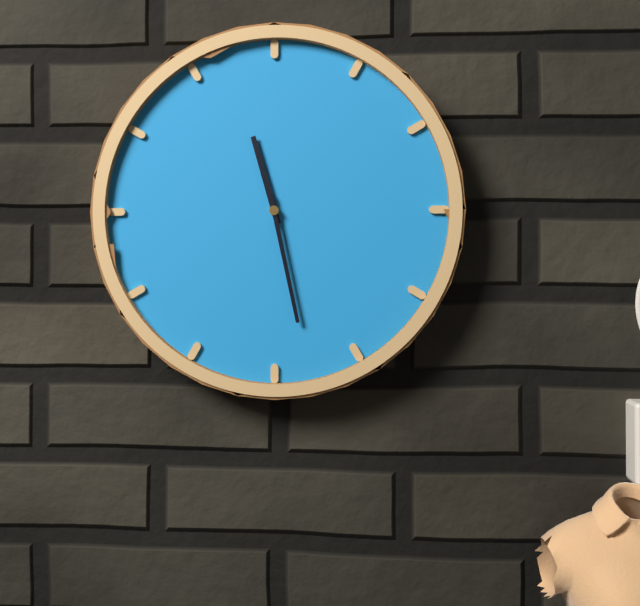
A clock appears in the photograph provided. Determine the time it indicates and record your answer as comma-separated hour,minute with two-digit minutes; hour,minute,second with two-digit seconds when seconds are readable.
11,28
